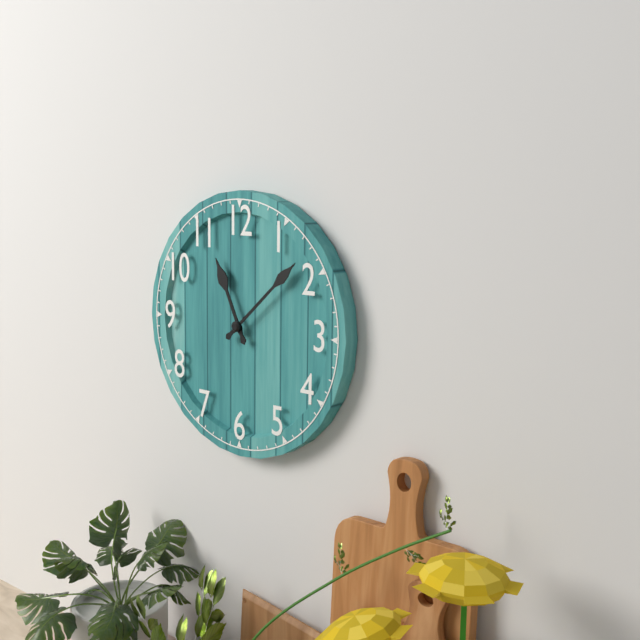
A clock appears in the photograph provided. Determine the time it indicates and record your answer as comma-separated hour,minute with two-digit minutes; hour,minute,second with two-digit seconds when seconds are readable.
11,08
